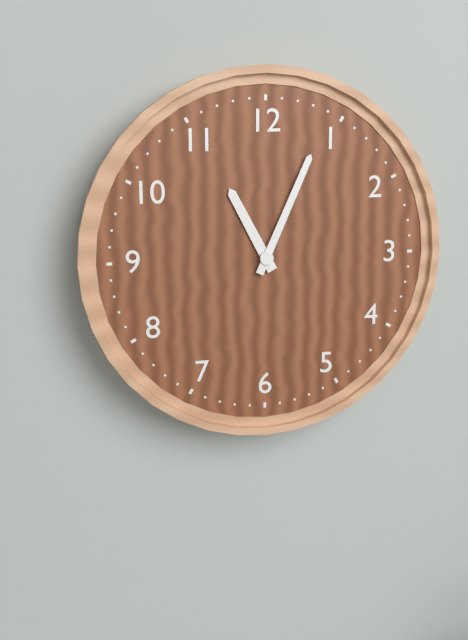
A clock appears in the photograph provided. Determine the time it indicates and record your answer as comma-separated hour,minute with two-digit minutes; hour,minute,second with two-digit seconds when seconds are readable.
11,04
